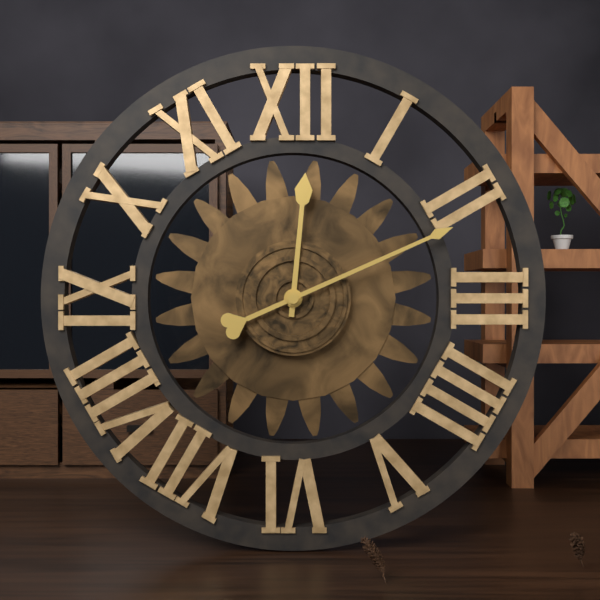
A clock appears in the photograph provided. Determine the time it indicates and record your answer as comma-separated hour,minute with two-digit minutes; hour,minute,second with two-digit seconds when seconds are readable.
12,11
